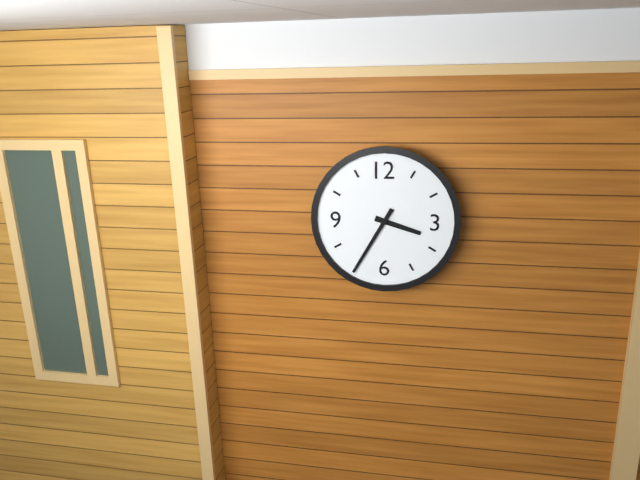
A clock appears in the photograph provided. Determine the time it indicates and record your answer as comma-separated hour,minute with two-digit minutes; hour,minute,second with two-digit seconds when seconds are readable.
3,35
